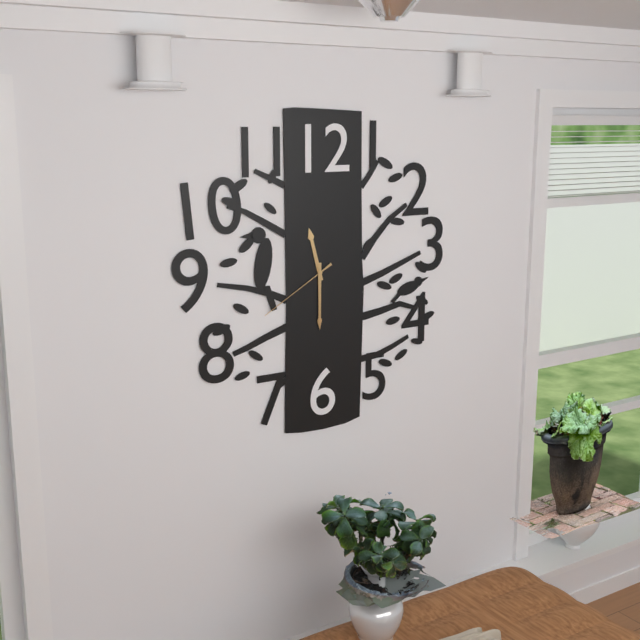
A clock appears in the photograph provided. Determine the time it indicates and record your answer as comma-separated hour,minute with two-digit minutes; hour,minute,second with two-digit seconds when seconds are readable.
11,30,40
